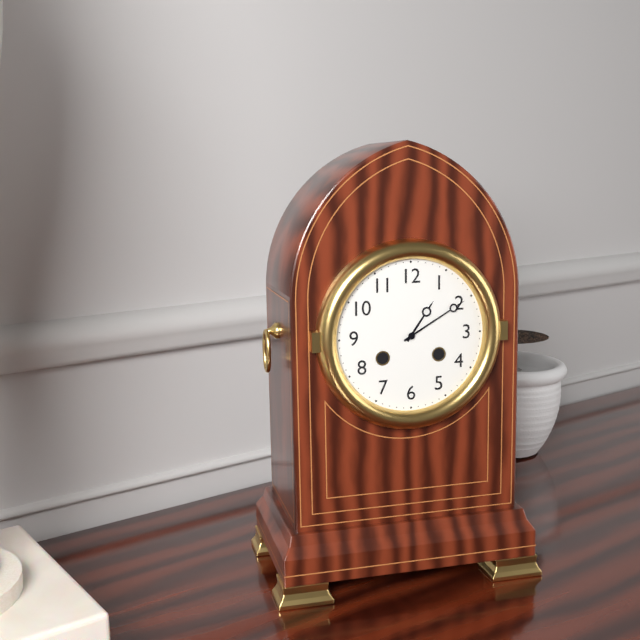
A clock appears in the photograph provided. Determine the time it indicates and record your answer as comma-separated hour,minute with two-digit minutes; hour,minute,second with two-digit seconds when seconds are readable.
1,10
